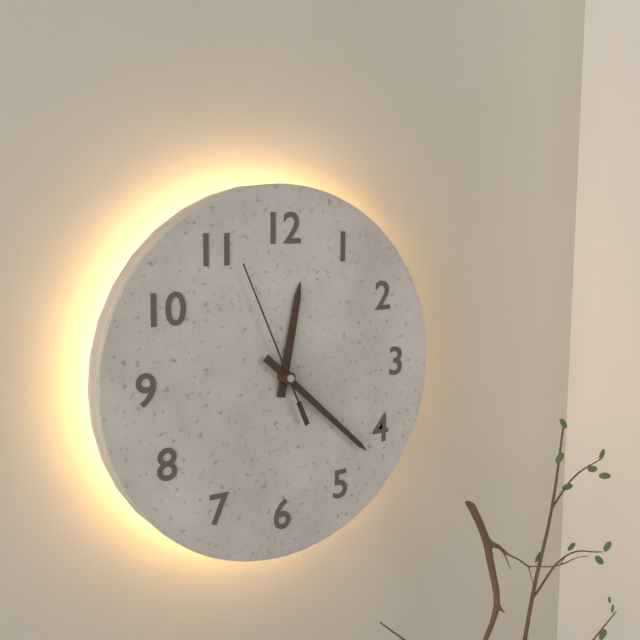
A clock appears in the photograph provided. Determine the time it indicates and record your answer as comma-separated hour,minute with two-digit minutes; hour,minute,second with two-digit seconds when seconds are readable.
12,22,56
